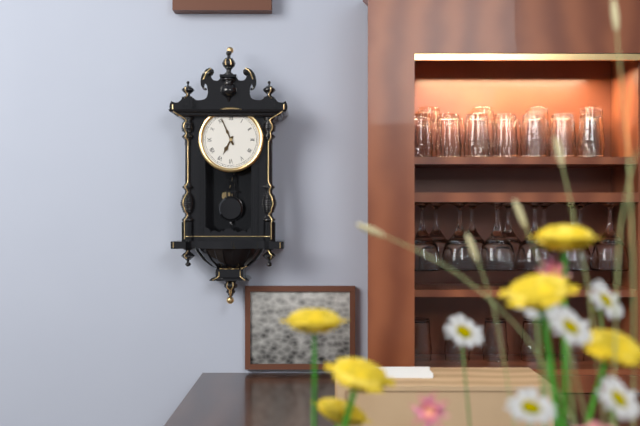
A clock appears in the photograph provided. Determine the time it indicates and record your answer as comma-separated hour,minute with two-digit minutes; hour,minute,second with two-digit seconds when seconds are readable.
6,56
